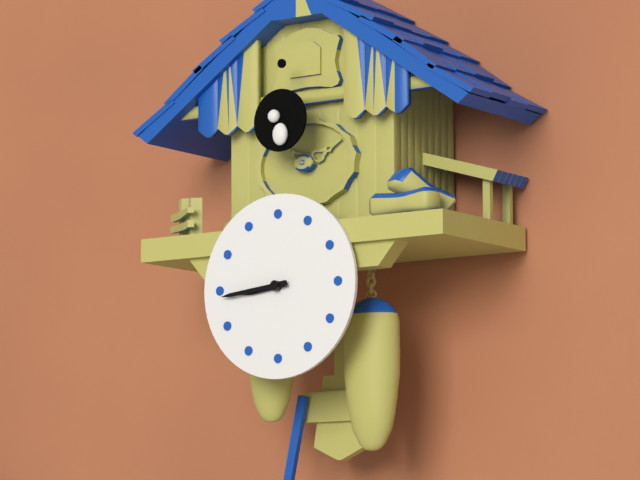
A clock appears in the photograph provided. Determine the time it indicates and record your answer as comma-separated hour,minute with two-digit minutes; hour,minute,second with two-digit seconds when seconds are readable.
8,44
